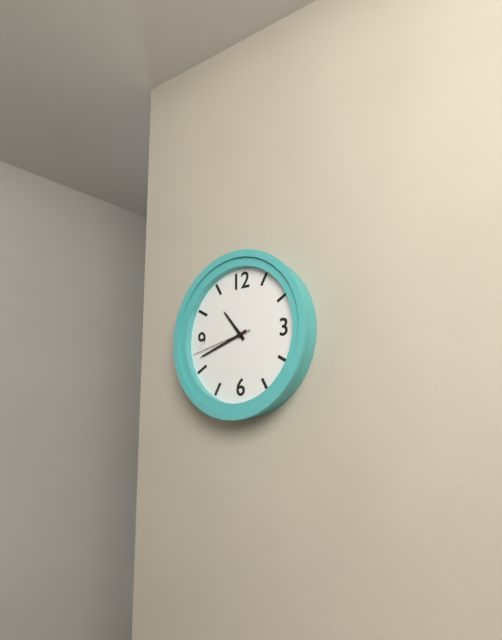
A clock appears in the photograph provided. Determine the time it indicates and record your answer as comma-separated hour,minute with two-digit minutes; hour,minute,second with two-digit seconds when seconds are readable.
10,42,43
